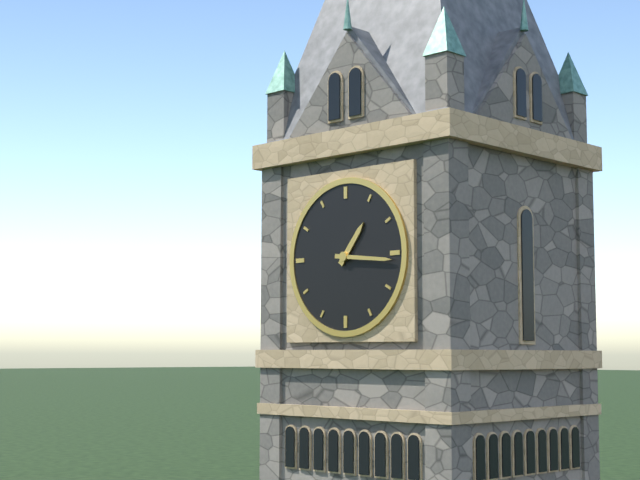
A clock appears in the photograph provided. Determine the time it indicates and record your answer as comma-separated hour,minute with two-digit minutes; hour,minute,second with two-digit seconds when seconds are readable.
1,16
